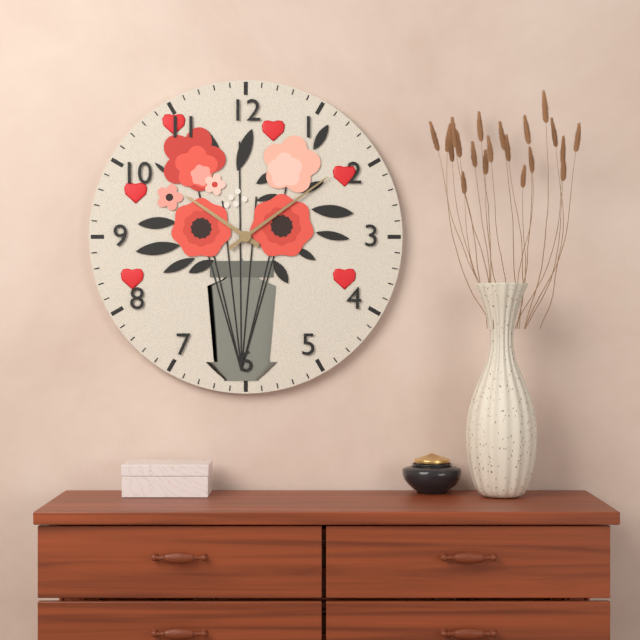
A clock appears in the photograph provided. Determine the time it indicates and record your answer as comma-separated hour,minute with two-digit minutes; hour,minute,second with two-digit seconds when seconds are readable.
10,09
